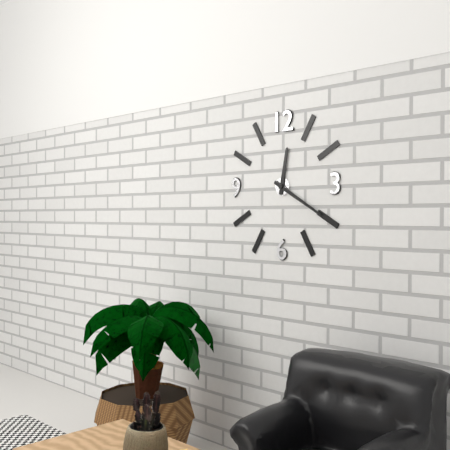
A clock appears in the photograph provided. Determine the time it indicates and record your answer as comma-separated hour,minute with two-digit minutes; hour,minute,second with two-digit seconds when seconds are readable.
12,20
